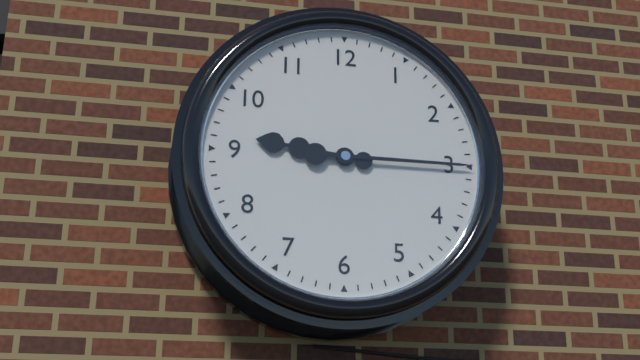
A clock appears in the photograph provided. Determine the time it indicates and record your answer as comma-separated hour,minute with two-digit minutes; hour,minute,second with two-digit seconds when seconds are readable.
9,15
